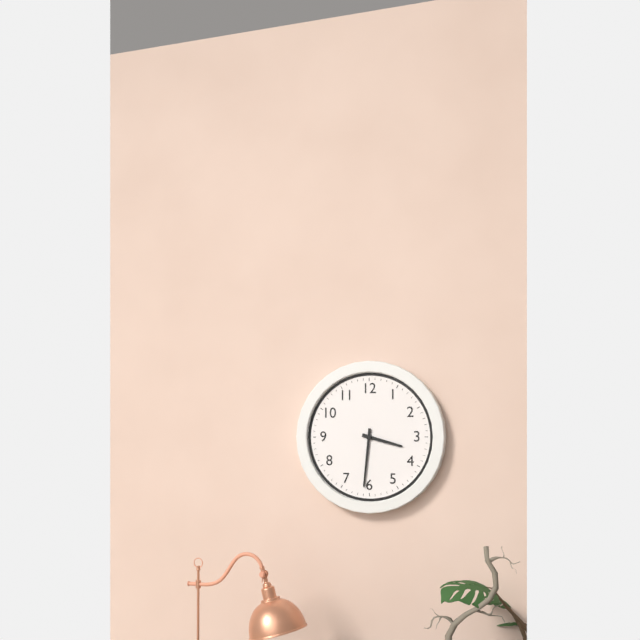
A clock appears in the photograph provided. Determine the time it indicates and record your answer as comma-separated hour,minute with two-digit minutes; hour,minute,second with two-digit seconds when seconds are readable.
3,31
